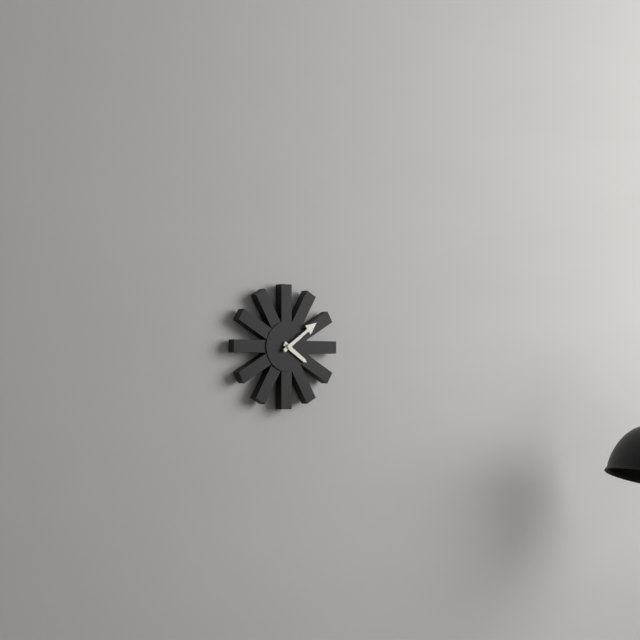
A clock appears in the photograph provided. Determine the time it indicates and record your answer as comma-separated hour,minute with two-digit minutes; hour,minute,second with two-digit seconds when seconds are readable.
4,09
